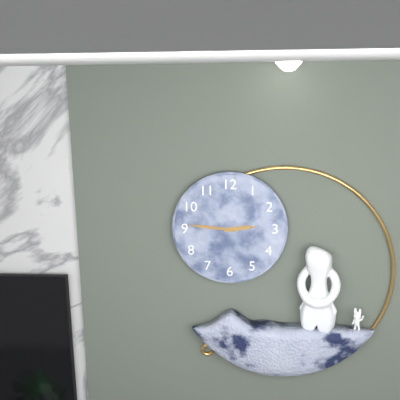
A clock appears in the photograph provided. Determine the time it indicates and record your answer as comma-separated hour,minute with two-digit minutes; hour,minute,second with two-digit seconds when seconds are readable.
2,46
